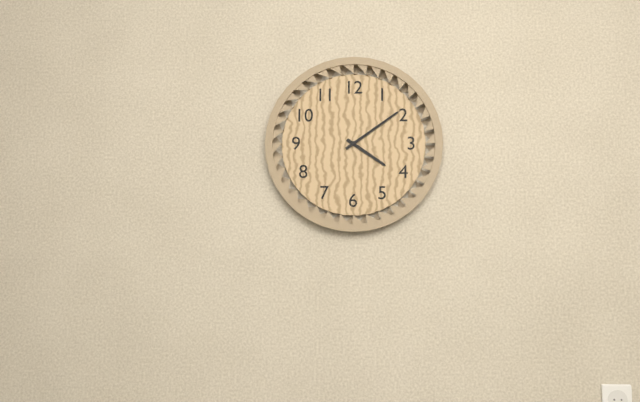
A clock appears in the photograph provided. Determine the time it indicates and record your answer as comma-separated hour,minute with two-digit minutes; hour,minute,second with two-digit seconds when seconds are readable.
4,09
